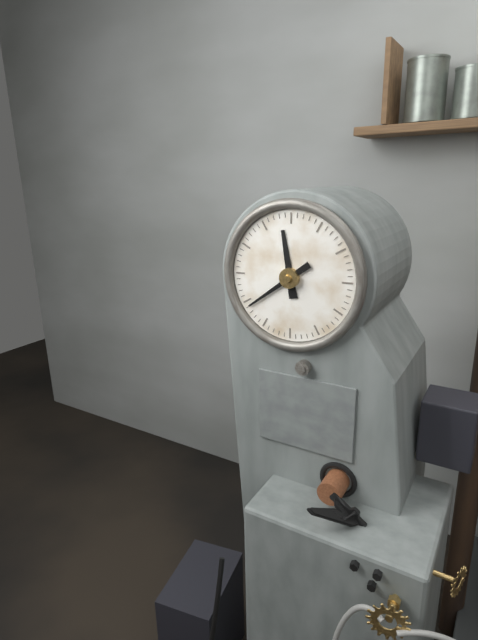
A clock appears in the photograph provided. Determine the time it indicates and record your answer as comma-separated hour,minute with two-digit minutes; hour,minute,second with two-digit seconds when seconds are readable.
11,39
